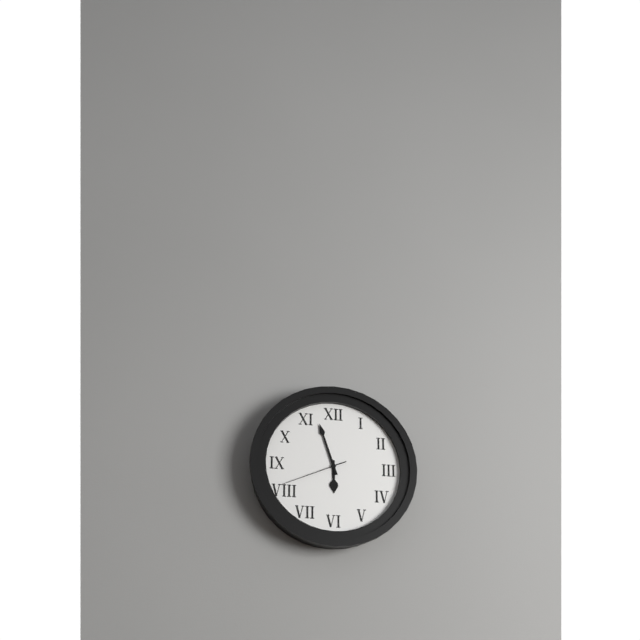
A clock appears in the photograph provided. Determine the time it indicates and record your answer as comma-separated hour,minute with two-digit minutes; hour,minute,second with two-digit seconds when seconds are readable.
5,57,41
